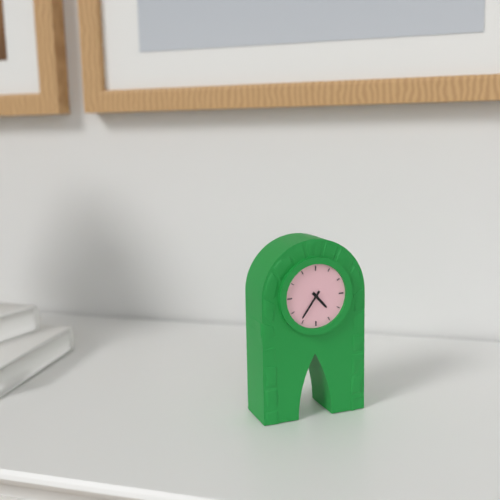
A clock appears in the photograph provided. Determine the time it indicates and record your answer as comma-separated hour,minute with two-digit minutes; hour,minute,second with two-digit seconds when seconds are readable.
4,36
